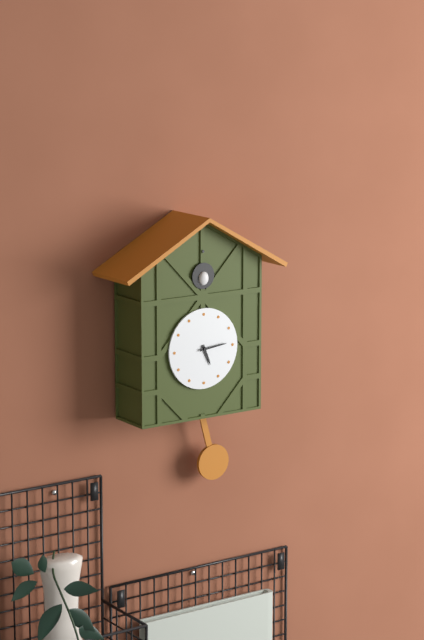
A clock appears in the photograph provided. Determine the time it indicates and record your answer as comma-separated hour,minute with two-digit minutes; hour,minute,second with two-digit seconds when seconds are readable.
5,14
